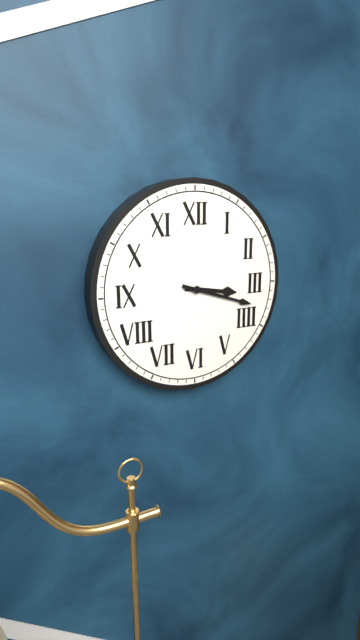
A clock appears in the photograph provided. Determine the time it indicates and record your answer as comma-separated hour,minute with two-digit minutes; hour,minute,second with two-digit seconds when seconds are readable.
3,18
